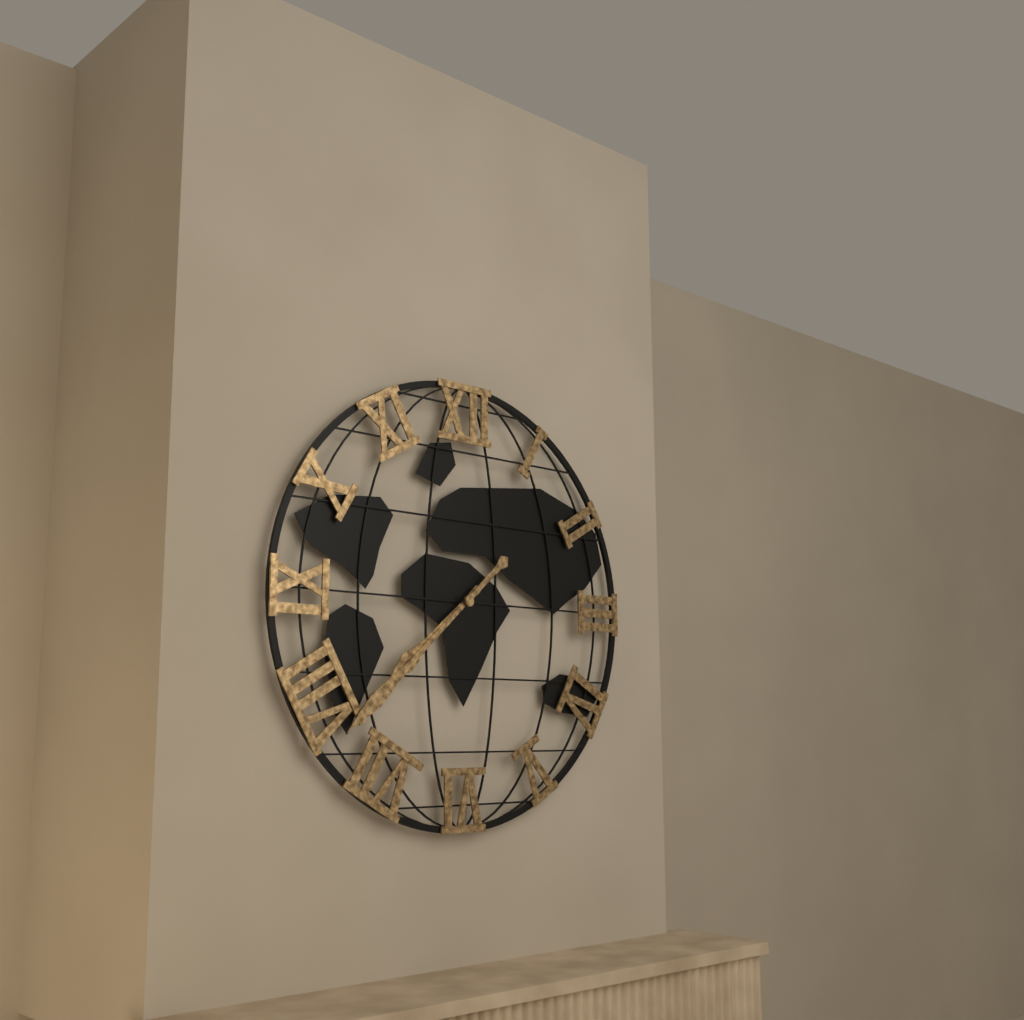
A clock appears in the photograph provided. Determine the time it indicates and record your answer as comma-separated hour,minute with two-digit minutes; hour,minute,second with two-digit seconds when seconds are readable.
7,38
